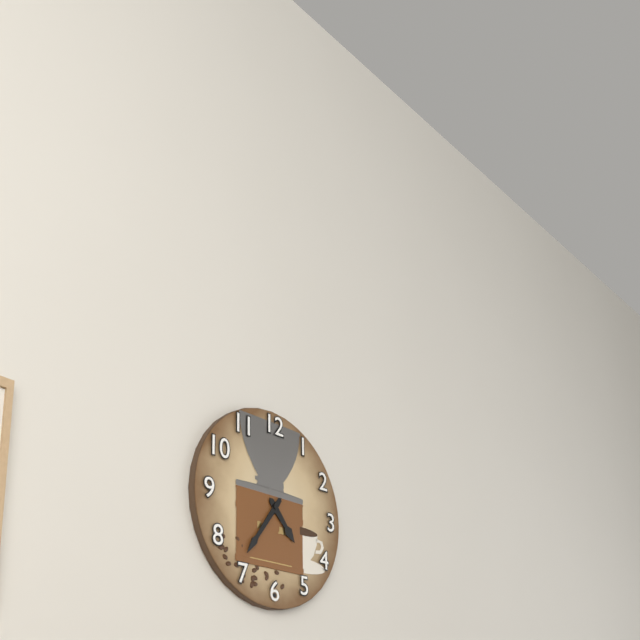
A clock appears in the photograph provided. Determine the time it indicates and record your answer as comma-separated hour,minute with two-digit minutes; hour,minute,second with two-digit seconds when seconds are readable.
4,36
